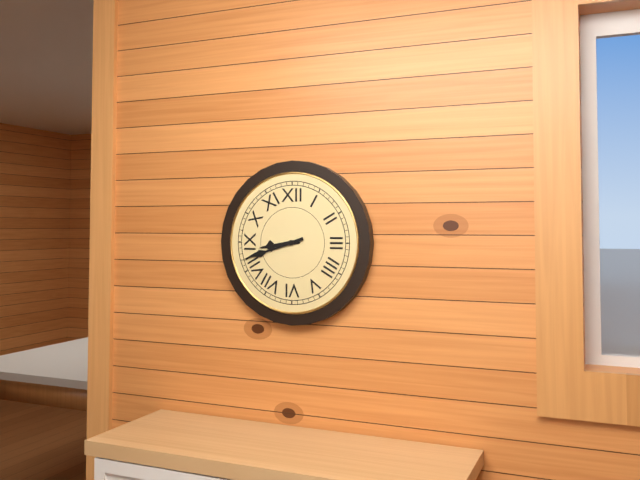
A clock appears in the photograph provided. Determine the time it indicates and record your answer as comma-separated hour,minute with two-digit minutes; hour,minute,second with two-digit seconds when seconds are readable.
8,42
